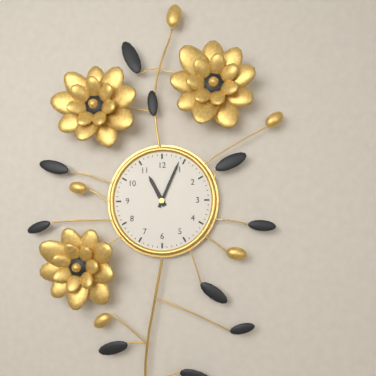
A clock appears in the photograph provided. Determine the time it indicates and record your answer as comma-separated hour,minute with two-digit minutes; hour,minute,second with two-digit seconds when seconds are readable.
11,04
